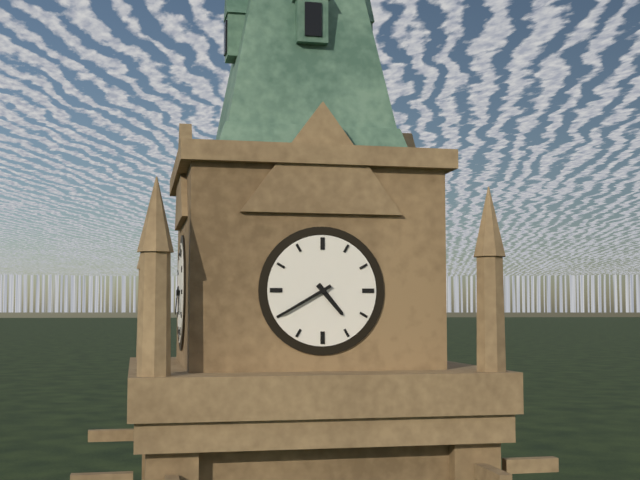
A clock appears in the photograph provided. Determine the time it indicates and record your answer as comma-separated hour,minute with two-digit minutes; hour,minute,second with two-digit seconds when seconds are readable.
4,40
